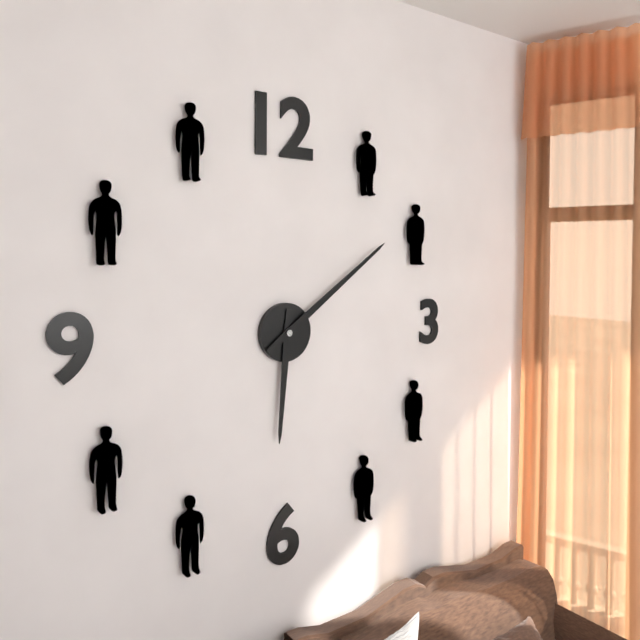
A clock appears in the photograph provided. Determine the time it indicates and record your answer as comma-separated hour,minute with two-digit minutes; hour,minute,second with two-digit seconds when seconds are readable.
6,09
